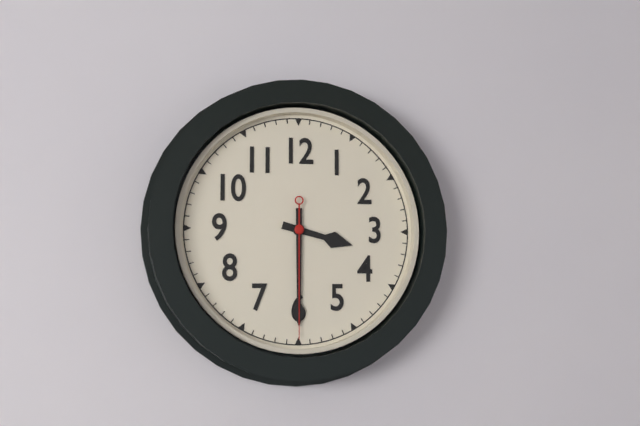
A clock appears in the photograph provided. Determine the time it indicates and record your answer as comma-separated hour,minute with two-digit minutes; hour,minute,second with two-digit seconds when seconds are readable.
3,30,30
